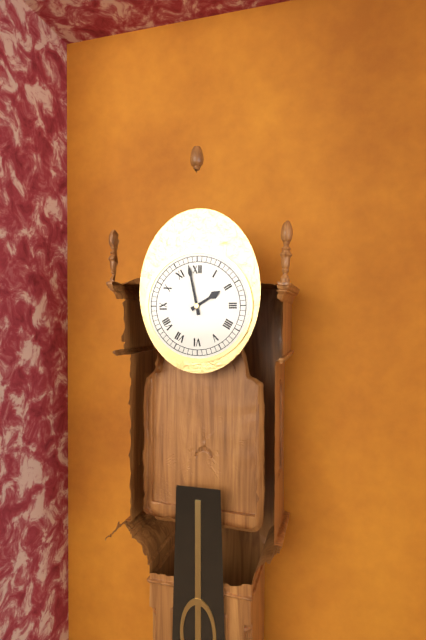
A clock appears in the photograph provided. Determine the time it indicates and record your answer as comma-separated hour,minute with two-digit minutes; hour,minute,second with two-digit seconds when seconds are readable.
1,58
